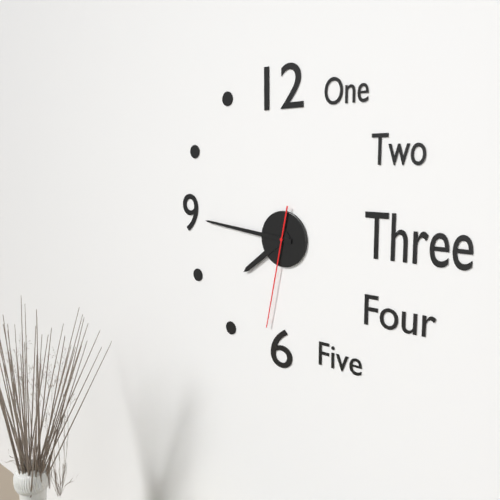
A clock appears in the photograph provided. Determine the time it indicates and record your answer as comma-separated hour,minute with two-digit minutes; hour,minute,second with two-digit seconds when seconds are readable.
7,46,32
